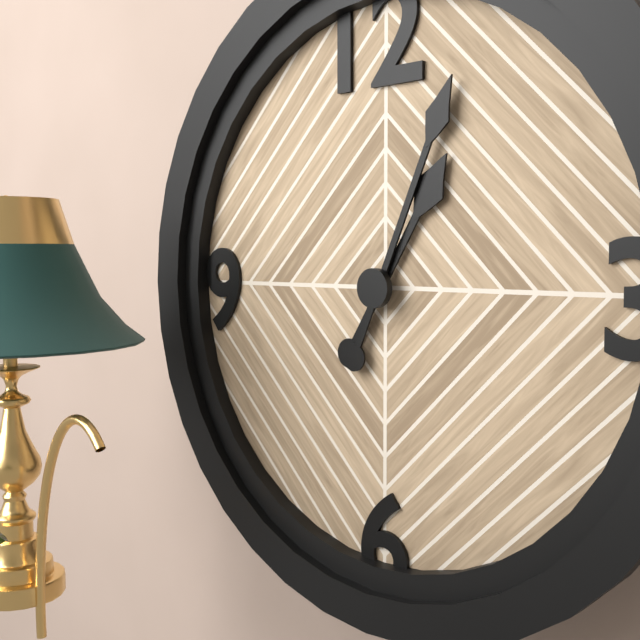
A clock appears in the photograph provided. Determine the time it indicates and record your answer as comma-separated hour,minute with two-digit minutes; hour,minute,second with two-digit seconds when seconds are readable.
1,04
